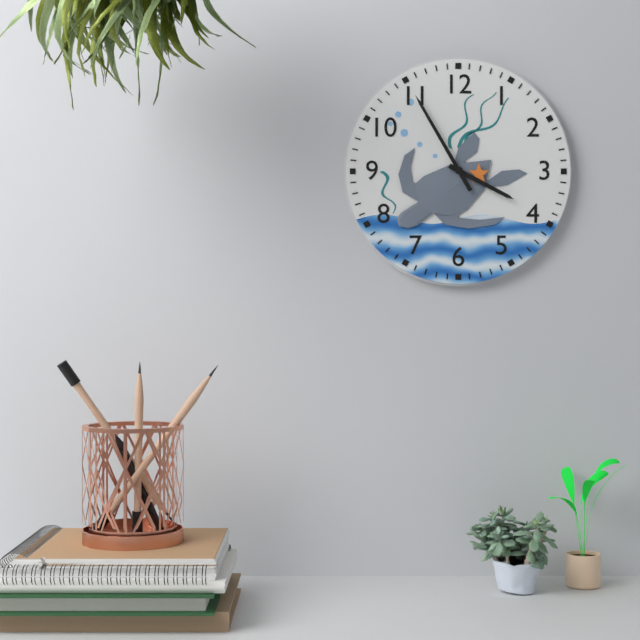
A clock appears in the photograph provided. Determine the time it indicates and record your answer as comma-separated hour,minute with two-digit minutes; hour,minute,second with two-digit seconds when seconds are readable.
3,55
